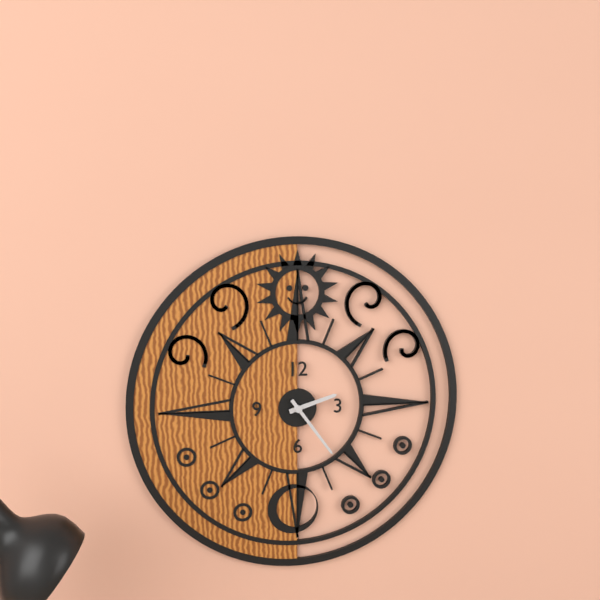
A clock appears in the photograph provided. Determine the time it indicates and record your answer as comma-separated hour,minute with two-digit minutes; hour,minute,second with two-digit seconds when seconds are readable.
2,24
